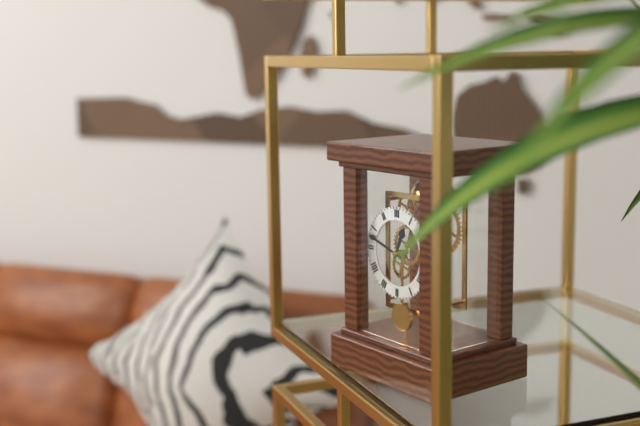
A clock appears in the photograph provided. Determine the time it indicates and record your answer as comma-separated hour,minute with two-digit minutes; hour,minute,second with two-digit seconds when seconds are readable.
12,48
